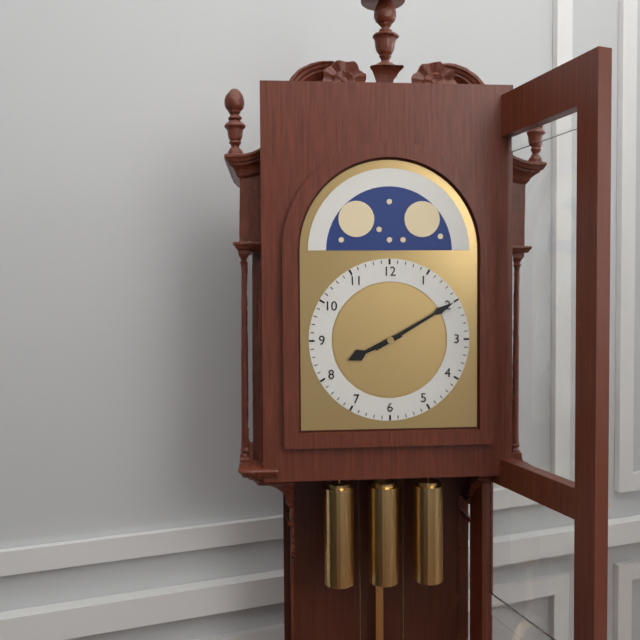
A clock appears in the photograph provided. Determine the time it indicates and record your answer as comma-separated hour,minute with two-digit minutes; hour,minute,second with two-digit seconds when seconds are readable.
8,10
